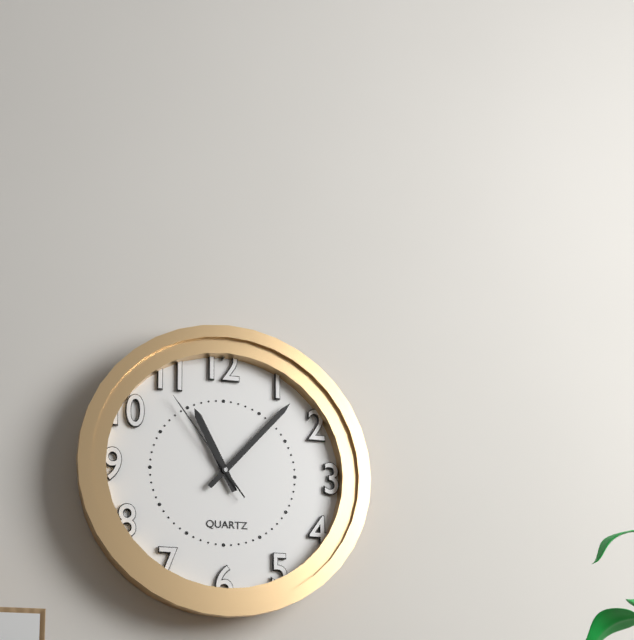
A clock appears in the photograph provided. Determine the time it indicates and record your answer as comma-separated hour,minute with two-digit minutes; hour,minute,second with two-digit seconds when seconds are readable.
11,07,54
